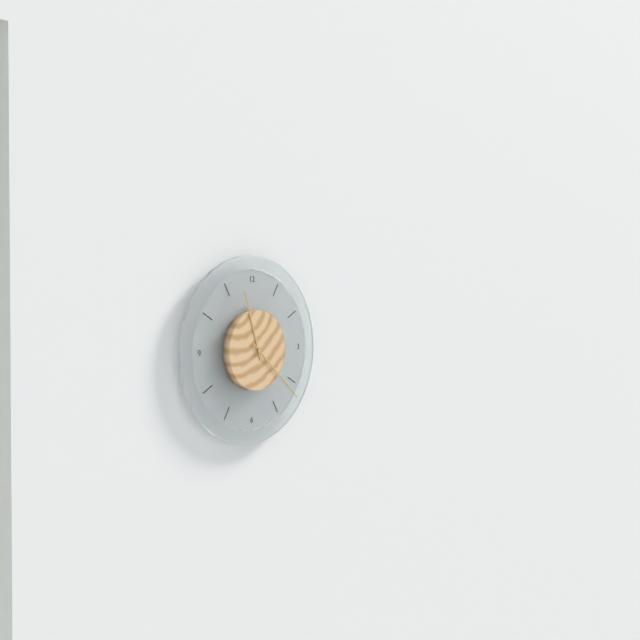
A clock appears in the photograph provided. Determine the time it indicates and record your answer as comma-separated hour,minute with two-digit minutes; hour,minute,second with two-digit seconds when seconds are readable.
11,22
